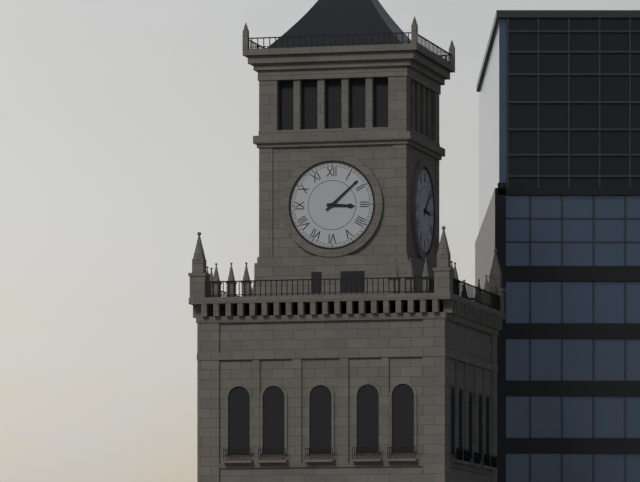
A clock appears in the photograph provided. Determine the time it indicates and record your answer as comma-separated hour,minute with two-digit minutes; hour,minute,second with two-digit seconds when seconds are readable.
3,08
